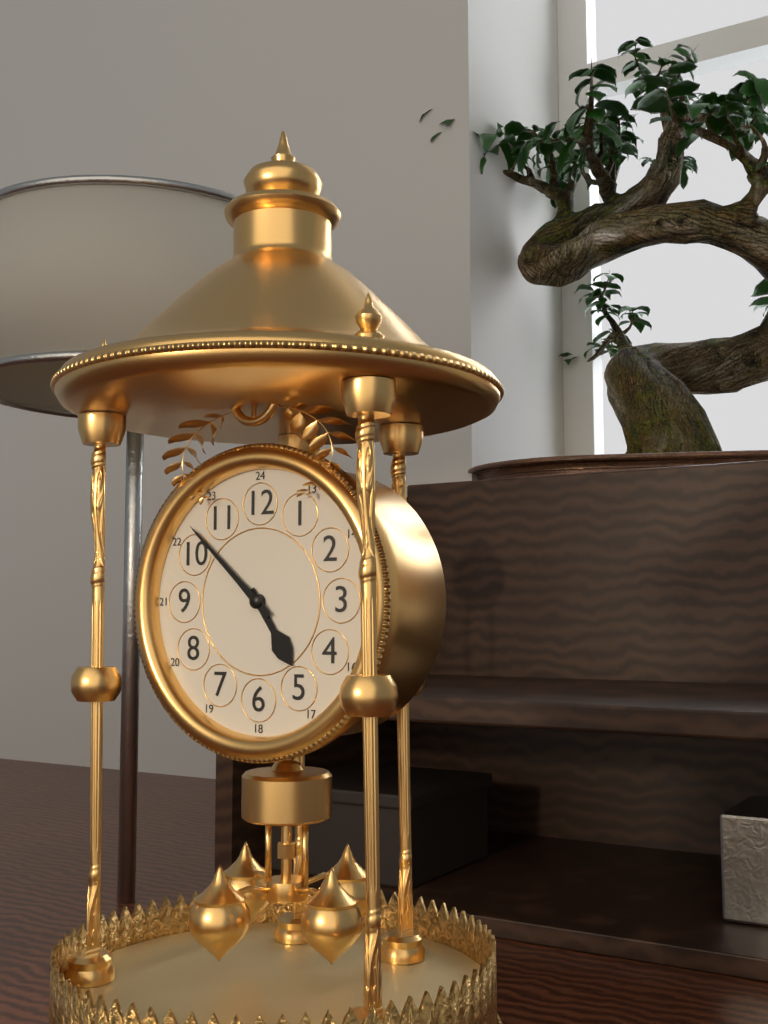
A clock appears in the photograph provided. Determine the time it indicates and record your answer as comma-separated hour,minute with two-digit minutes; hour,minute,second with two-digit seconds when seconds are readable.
4,52
